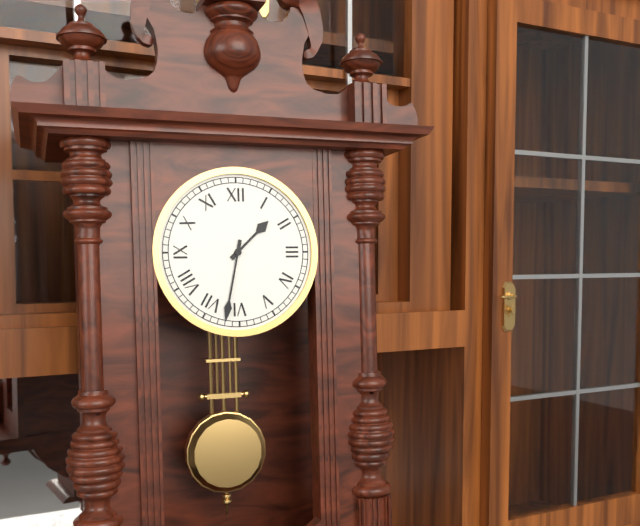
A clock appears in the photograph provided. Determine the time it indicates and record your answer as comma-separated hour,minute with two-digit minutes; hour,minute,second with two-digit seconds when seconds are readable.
1,32
